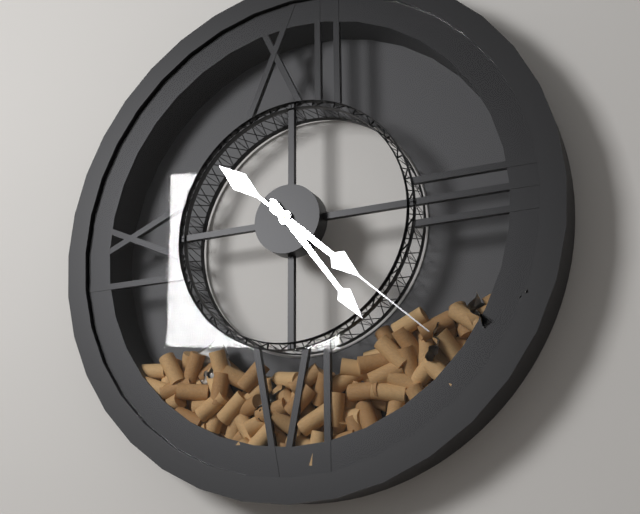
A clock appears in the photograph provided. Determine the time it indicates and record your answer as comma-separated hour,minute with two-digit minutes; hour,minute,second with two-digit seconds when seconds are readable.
4,24,22
